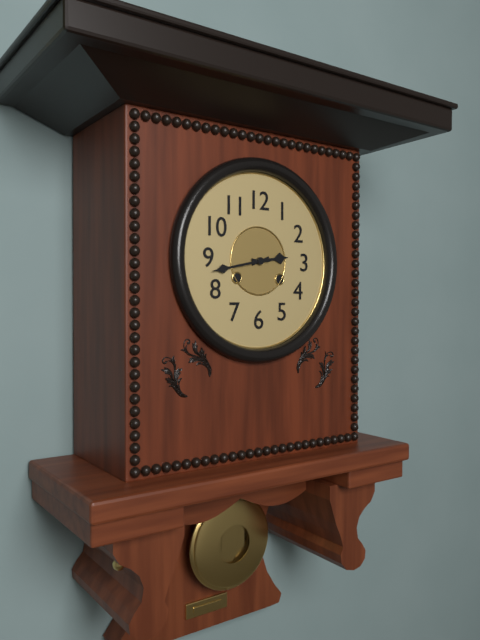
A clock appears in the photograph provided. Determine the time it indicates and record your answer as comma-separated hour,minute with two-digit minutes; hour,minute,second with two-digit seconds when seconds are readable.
2,43
